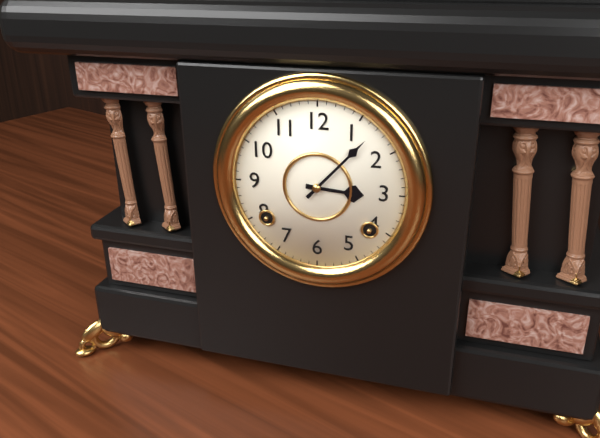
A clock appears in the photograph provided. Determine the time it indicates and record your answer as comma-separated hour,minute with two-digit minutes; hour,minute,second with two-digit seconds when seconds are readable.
3,07
